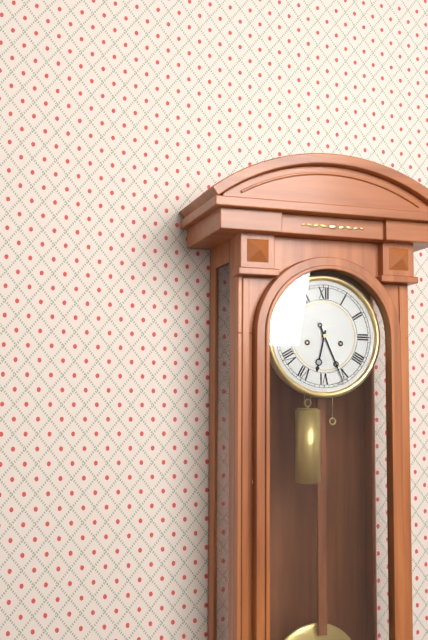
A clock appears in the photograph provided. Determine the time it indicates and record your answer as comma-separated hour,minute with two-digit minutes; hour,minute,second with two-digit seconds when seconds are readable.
6,26
